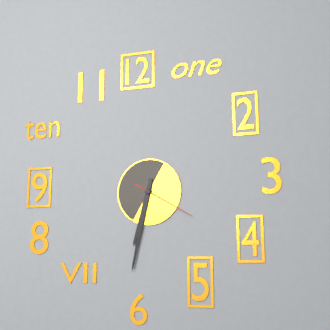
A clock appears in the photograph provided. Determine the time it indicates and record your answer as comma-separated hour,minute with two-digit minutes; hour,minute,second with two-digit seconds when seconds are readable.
6,32,20
